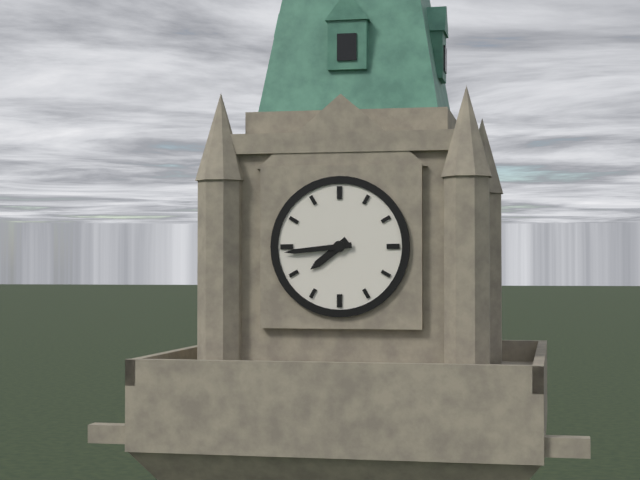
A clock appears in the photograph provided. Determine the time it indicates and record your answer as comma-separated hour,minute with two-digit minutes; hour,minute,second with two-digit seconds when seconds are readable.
7,44
